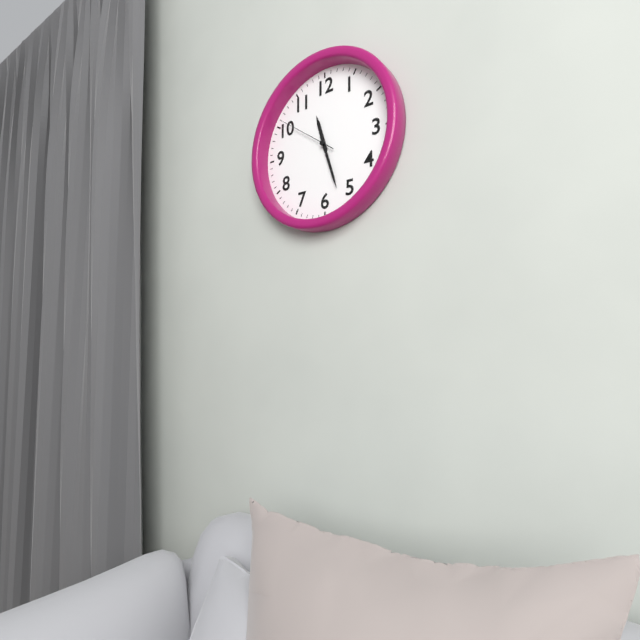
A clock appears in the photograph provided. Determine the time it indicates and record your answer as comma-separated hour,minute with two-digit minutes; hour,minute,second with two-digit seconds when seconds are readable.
11,27,51
